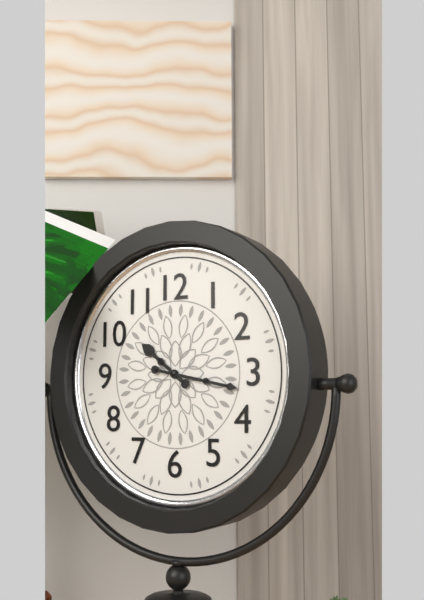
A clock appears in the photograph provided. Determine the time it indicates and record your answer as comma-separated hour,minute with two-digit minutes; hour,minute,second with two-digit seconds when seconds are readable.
10,17
